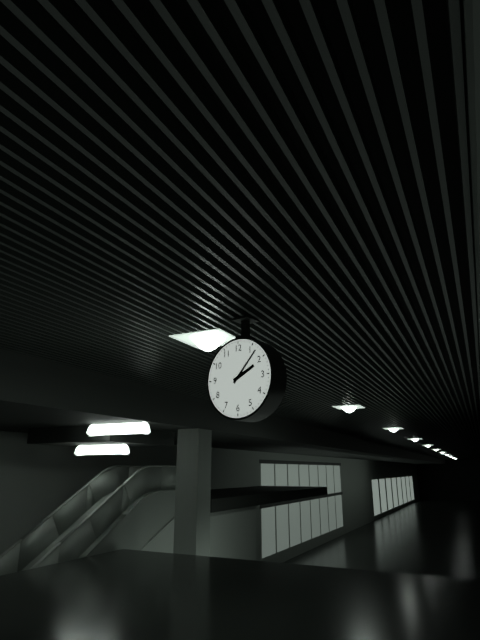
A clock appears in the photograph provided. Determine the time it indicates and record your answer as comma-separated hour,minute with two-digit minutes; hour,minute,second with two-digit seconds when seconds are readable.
2,07
